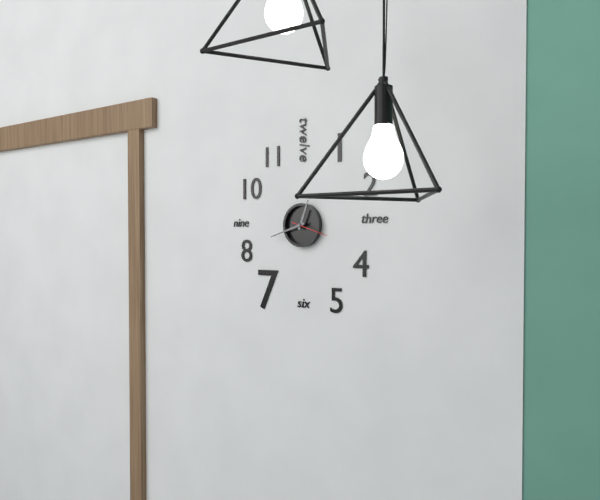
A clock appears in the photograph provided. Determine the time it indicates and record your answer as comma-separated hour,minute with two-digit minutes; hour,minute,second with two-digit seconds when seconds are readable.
12,42
